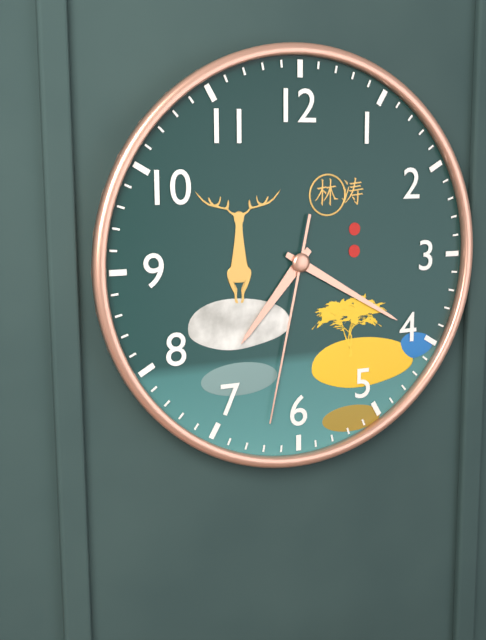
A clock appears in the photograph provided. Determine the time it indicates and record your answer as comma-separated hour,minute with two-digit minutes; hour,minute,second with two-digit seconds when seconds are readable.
7,20,32
